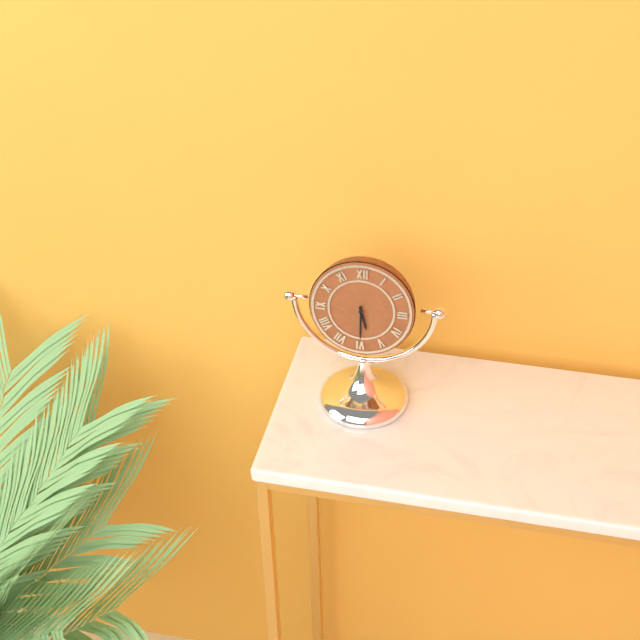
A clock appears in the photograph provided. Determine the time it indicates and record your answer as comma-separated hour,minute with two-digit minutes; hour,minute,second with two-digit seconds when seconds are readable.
5,30
